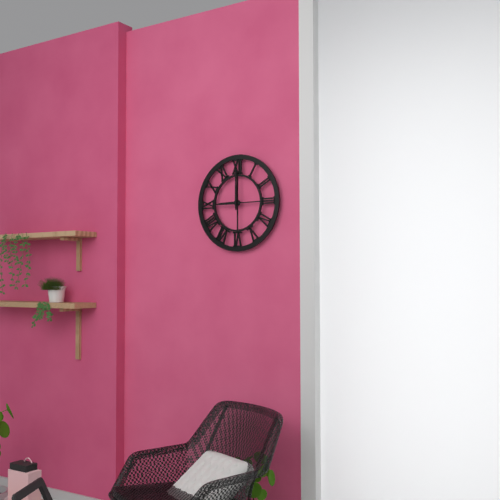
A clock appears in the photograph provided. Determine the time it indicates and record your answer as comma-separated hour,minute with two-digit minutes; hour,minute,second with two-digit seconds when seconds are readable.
9,00
